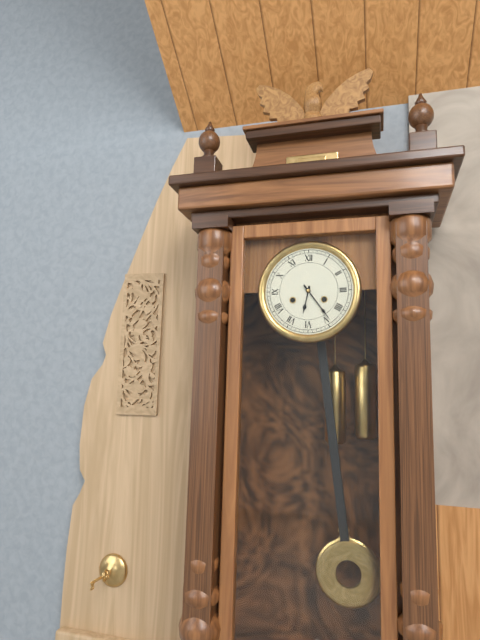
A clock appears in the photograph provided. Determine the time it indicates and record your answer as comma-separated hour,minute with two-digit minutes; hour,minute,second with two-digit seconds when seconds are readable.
6,24
